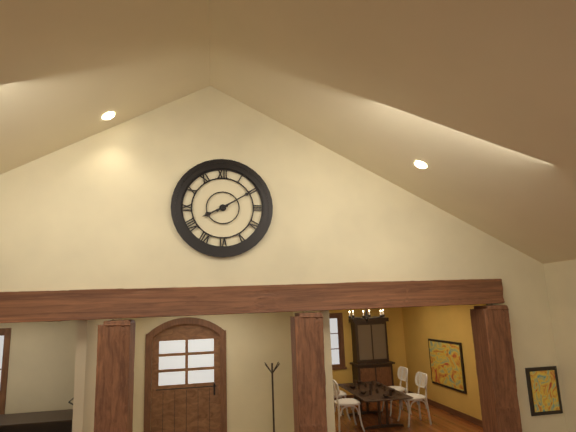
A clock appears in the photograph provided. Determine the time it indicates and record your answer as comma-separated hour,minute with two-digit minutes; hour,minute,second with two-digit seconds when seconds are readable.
8,10
